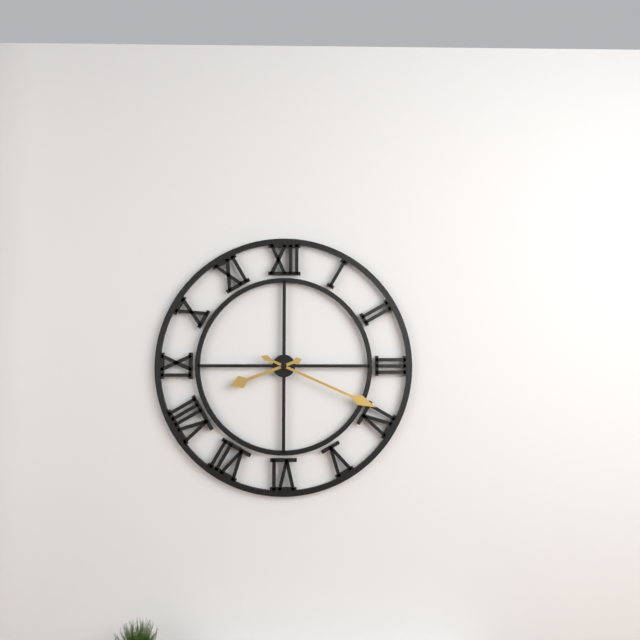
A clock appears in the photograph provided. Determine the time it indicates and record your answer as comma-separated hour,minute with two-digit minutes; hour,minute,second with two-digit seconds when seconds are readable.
8,19
